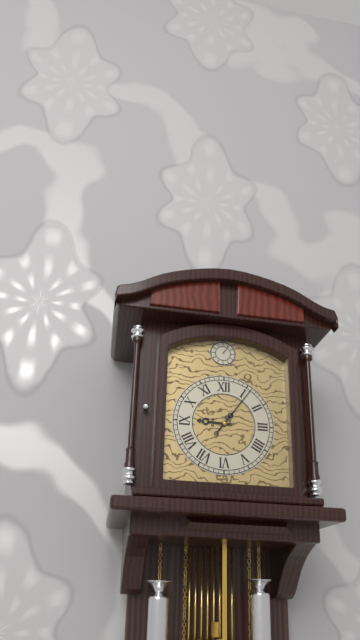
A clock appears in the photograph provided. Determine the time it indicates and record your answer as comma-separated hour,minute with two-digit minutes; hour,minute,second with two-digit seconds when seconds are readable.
9,06
